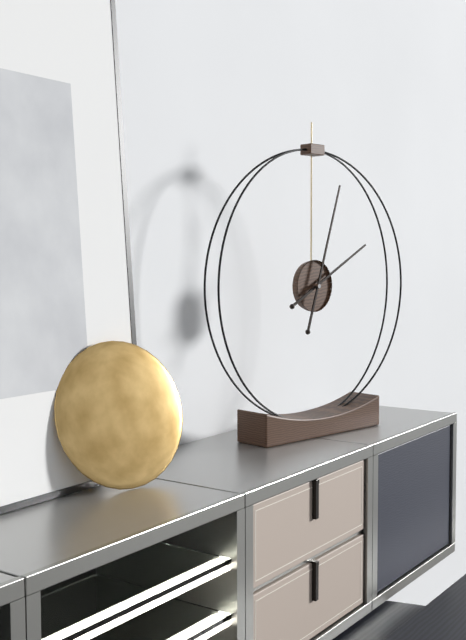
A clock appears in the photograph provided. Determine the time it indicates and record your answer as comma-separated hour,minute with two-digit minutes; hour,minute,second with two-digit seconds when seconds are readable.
2,03
